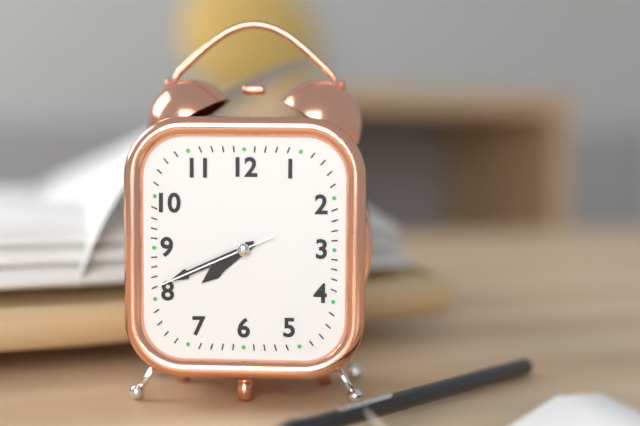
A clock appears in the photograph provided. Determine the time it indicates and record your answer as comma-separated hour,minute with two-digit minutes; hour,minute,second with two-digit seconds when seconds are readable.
7,41,41
